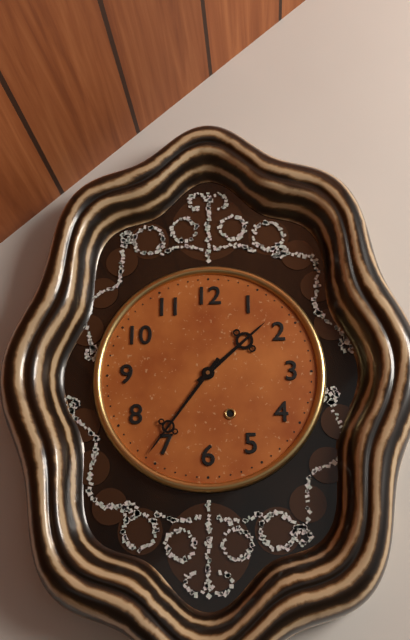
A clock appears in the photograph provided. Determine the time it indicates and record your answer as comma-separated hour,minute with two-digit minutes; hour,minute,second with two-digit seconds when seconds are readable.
1,36
